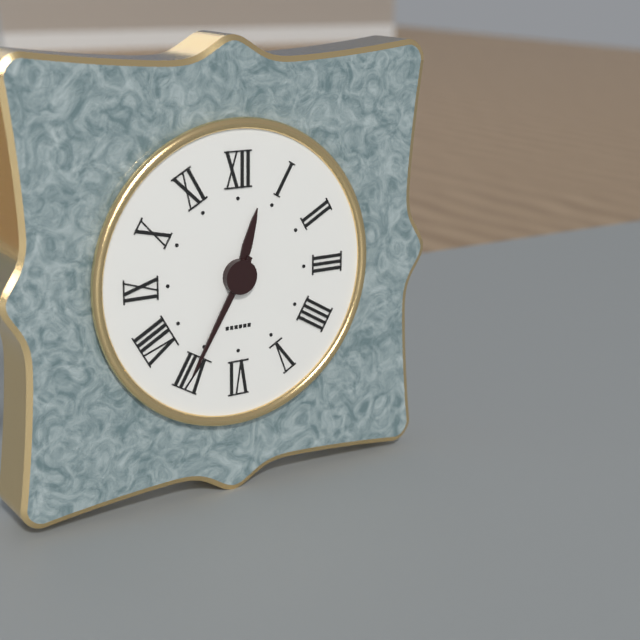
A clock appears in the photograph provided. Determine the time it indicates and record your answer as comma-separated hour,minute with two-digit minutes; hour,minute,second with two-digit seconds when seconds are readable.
12,35
